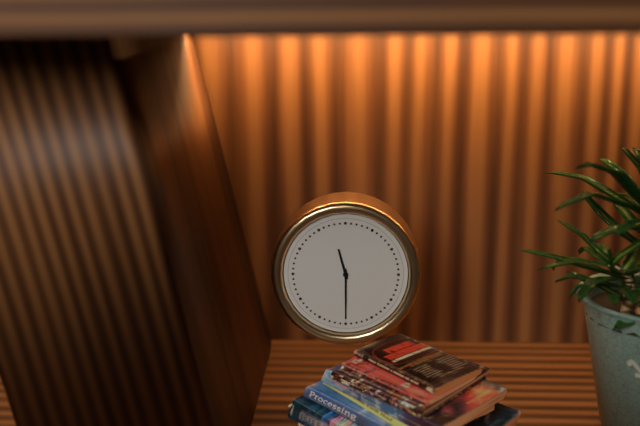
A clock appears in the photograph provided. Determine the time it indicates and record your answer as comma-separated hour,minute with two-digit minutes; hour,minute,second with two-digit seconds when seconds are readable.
11,30
